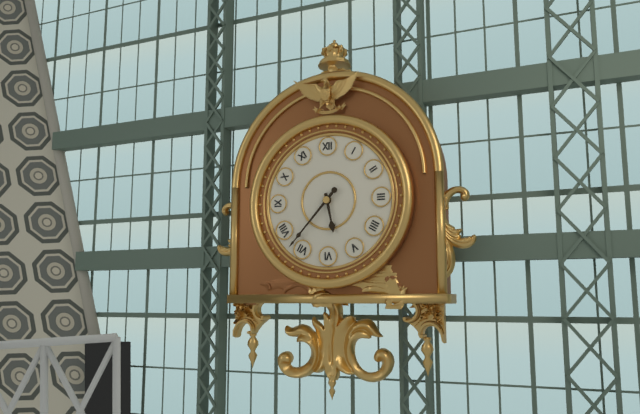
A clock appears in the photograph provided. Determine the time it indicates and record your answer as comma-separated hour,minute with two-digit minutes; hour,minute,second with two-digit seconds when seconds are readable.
5,37
